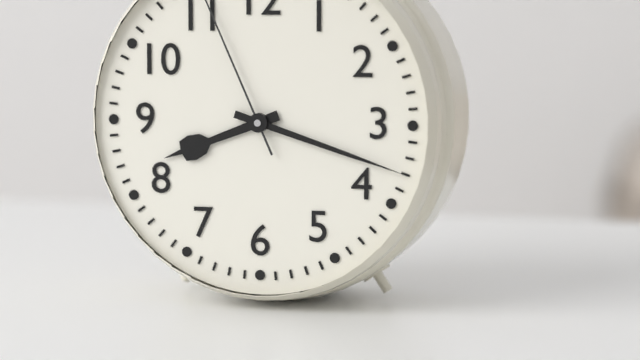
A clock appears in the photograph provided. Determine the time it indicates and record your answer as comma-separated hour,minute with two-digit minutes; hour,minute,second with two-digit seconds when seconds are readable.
8,18
